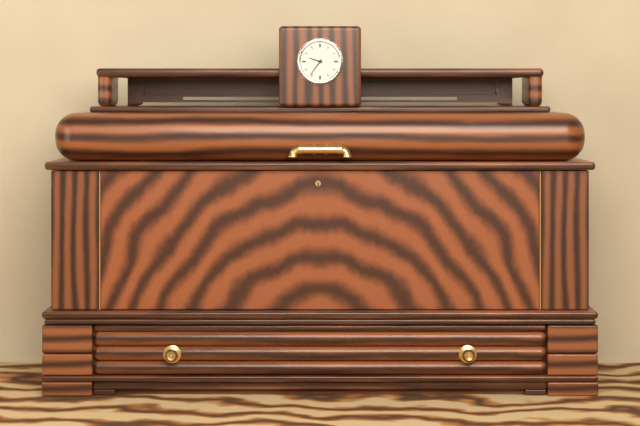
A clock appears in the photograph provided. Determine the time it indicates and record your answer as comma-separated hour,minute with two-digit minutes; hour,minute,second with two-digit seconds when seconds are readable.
9,36
